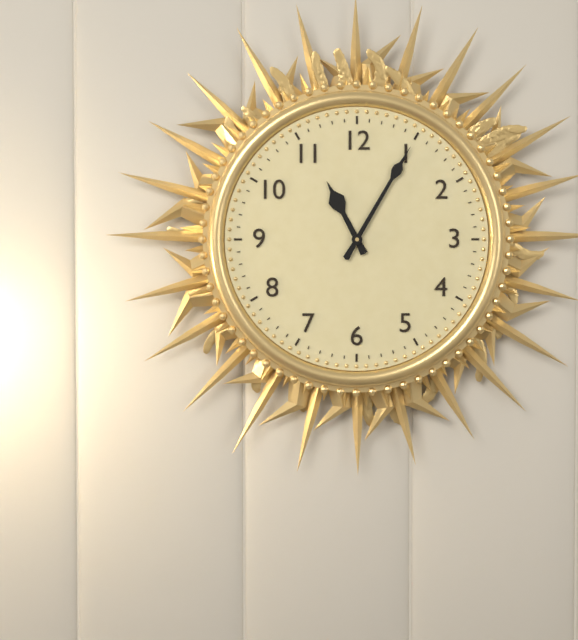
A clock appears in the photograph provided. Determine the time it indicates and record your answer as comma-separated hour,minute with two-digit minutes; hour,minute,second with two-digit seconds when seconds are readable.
11,05
